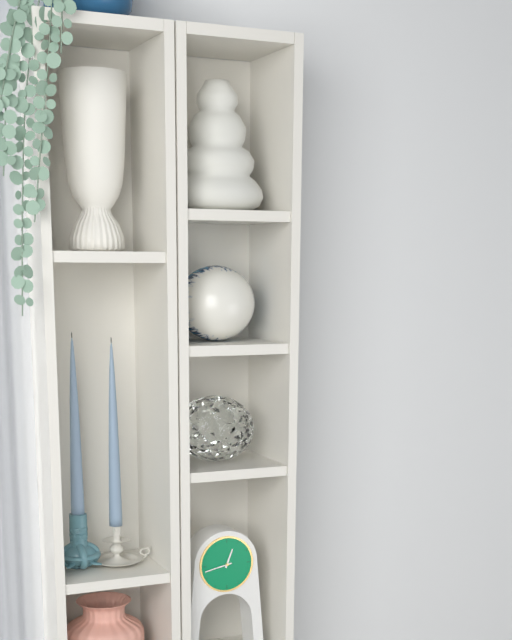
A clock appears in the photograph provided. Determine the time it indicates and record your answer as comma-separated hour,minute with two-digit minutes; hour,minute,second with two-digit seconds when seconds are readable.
12,43
